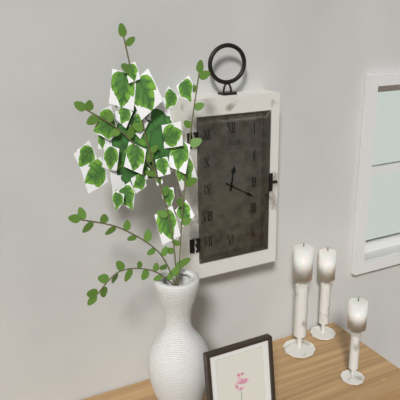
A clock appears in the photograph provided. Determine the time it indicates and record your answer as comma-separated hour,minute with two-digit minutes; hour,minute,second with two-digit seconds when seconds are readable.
12,20
